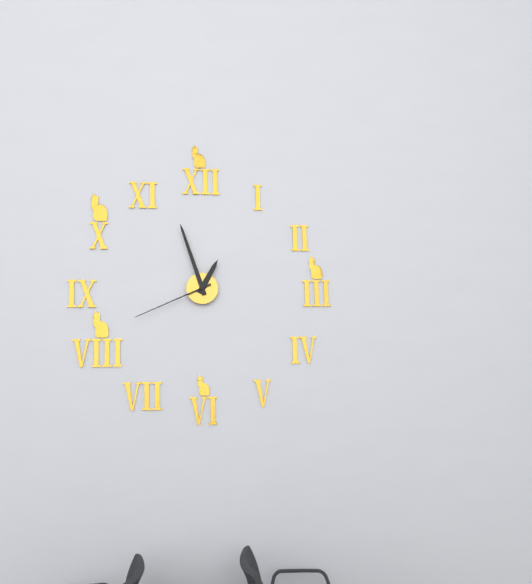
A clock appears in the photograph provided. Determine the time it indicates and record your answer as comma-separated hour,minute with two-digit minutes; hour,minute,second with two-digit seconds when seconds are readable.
12,57,41
